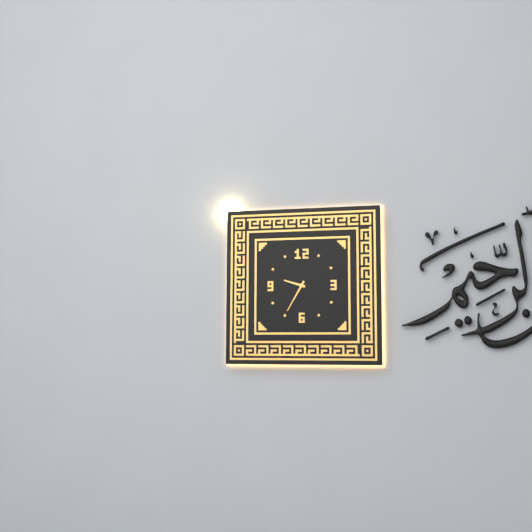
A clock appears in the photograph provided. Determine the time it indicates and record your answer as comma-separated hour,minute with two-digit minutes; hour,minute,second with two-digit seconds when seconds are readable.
9,35
